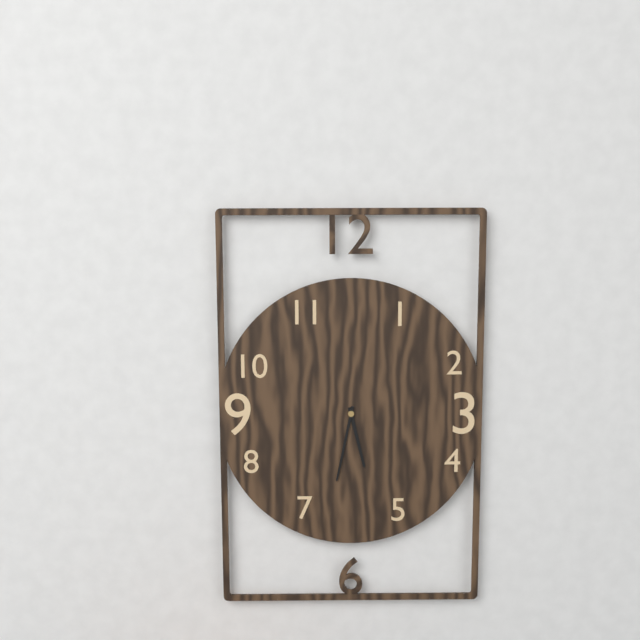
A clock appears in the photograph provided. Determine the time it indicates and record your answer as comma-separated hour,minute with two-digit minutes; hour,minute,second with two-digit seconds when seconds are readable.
5,32
